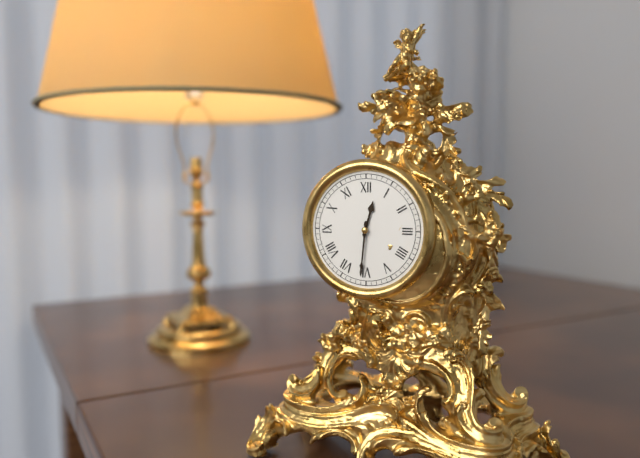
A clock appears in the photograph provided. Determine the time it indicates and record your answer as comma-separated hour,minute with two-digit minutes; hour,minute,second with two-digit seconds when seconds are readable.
12,31
